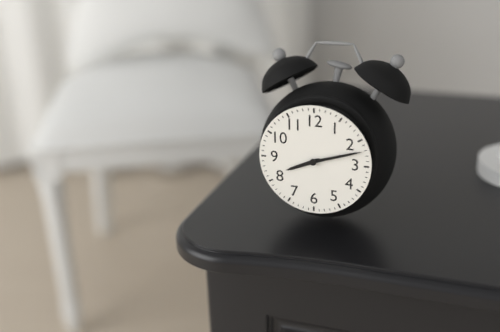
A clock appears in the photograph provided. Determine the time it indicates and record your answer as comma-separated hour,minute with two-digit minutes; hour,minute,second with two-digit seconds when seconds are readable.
8,12
